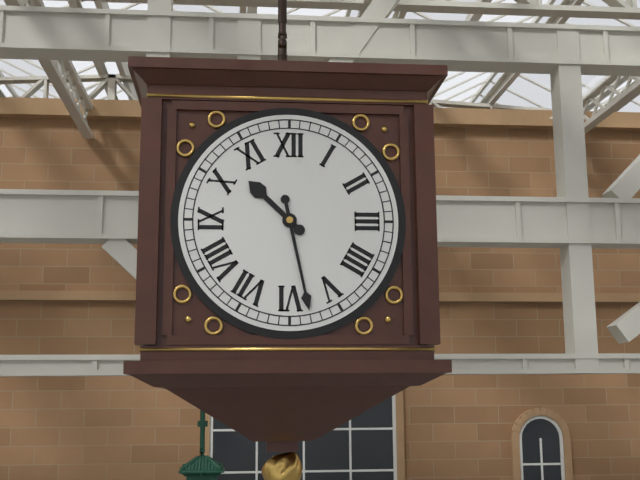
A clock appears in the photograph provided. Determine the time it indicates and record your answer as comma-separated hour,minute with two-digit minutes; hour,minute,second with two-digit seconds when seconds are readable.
10,28
